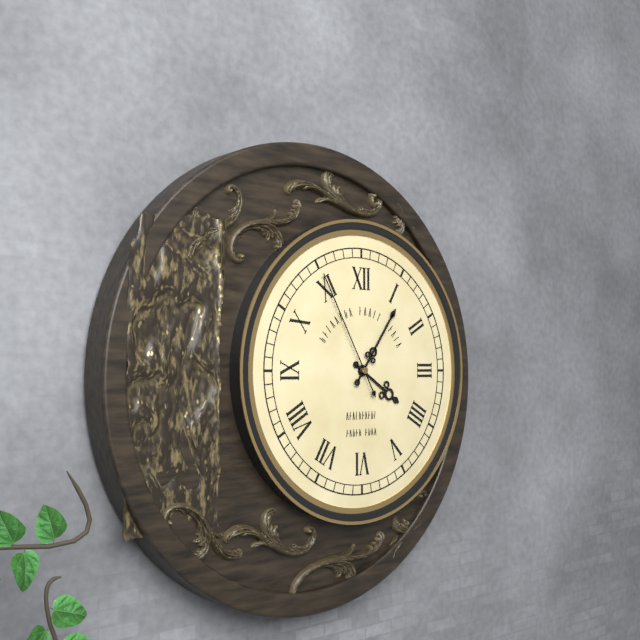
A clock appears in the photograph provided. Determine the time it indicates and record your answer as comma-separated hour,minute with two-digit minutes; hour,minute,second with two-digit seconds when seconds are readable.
4,06,55
